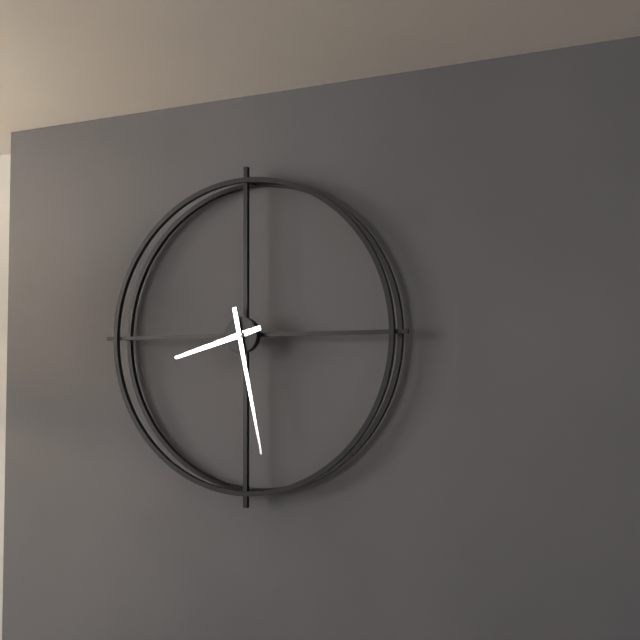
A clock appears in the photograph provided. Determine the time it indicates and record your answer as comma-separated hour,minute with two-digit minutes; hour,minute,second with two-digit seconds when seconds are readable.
8,28
